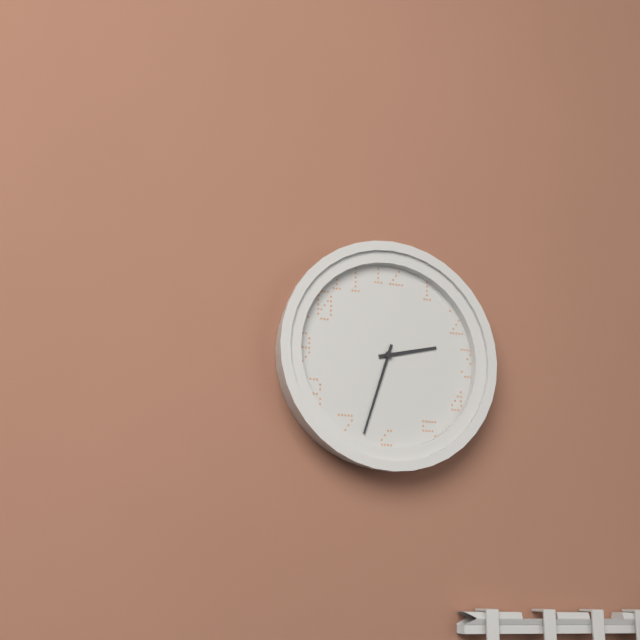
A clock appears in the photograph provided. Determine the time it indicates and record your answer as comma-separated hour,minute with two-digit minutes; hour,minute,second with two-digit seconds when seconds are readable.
2,33
